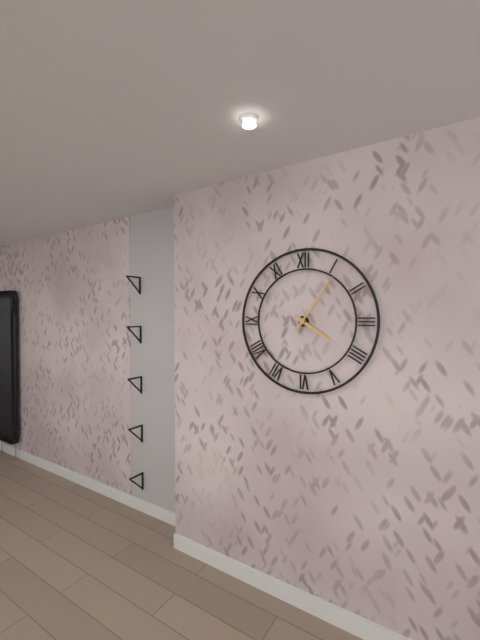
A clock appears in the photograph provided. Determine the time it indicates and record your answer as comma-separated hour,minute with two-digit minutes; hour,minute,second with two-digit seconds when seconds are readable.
4,06
